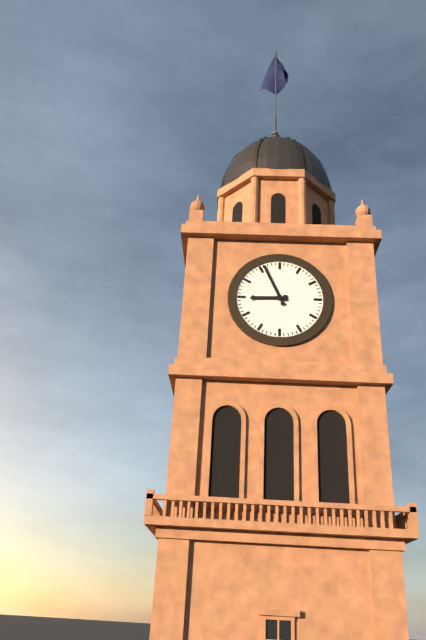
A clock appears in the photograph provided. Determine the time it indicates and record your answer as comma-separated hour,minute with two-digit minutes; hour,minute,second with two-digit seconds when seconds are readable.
8,56
